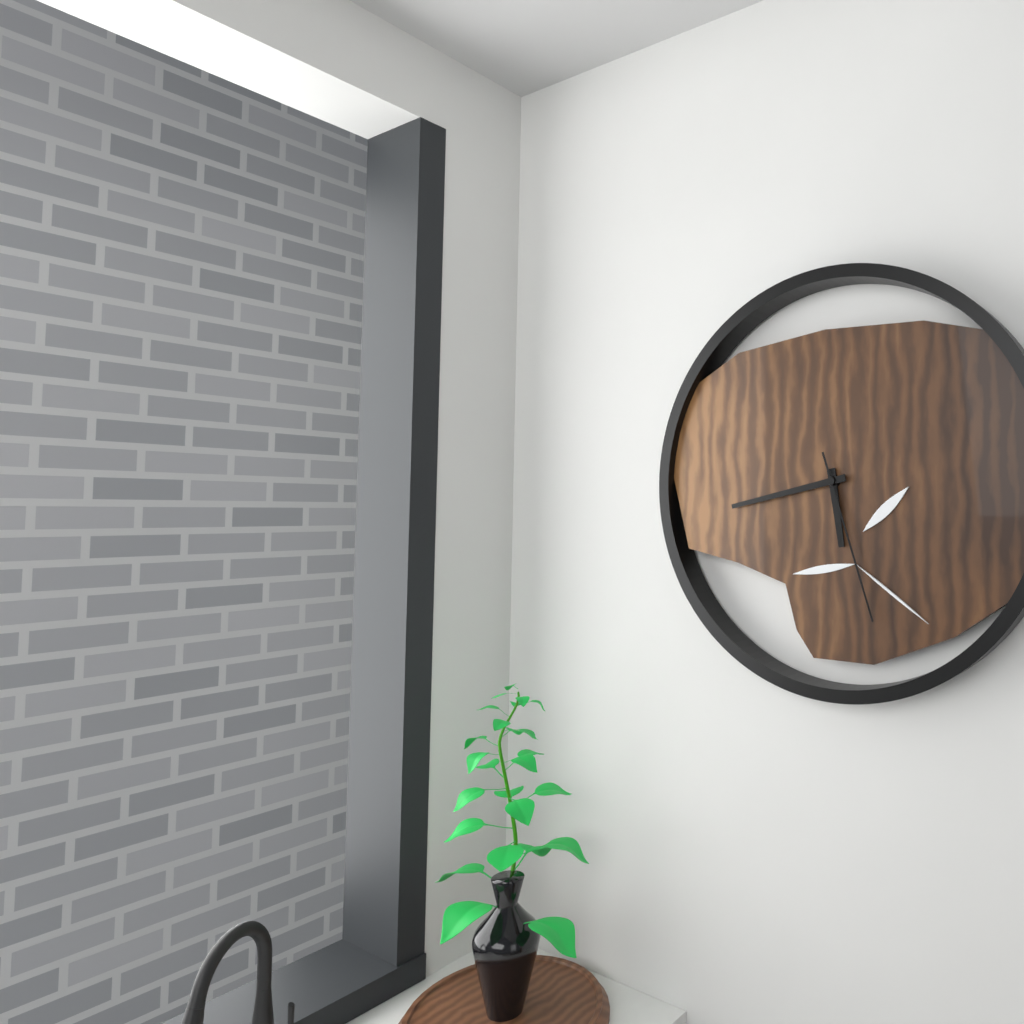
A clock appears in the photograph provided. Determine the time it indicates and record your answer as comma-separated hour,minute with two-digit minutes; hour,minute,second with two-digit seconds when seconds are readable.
5,43,27
